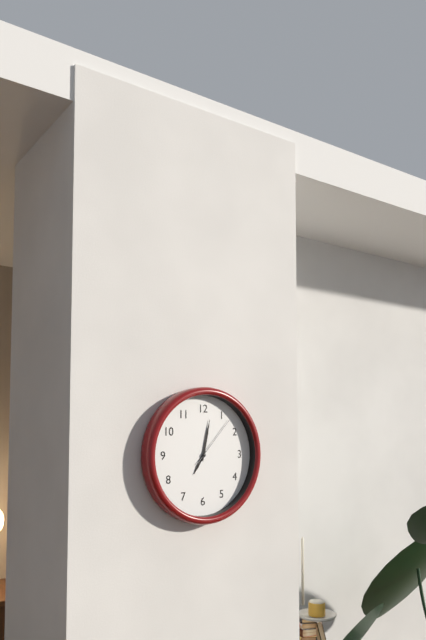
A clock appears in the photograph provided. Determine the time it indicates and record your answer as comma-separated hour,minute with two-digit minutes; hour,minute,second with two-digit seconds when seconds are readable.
7,02,07
